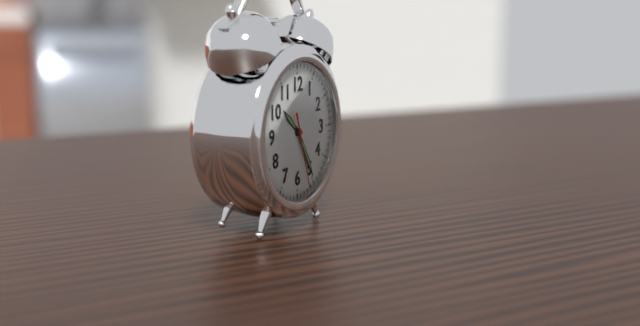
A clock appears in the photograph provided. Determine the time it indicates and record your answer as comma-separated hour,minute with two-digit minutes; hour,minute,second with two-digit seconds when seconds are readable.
10,25,27
